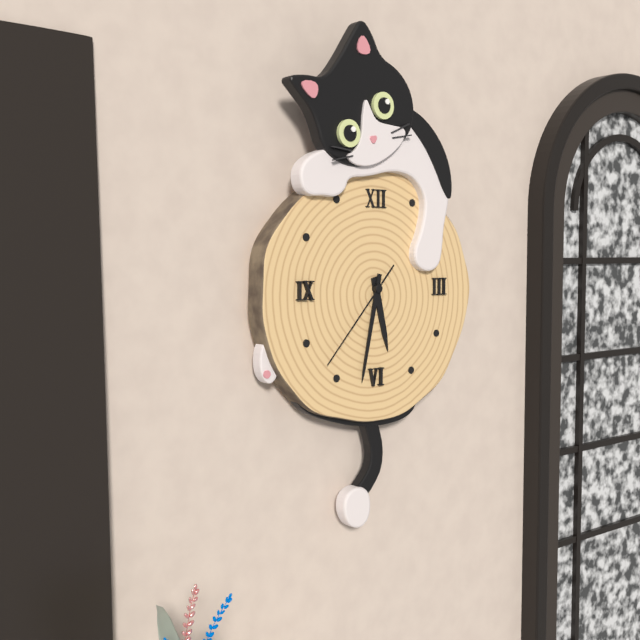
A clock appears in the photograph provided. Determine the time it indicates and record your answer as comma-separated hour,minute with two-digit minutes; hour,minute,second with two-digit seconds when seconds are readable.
5,32,37
